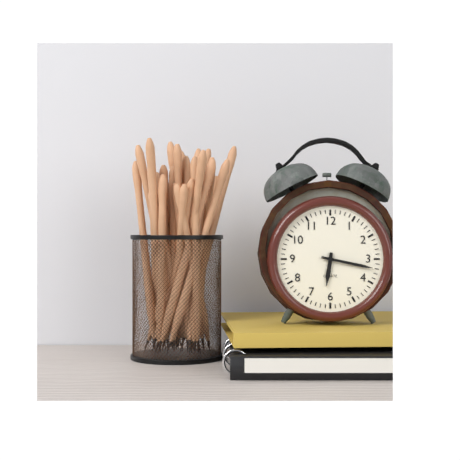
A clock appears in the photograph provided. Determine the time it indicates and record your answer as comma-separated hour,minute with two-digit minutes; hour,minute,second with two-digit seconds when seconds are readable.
6,17
